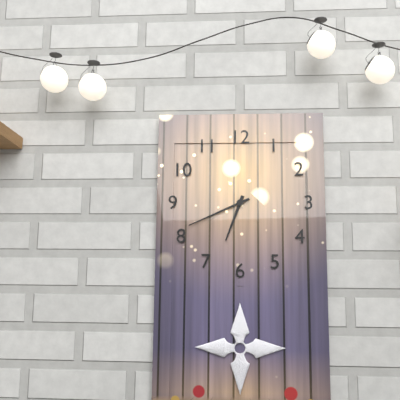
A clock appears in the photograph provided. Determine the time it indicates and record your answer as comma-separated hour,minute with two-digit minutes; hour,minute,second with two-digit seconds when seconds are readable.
6,41
